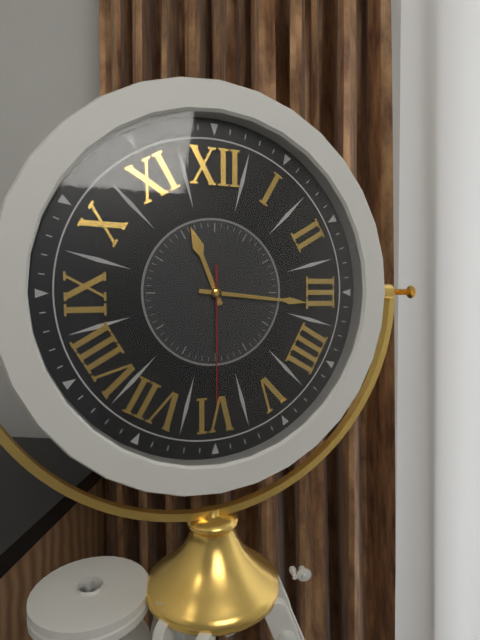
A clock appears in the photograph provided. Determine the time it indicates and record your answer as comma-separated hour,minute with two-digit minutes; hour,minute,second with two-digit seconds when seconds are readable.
11,16,30
